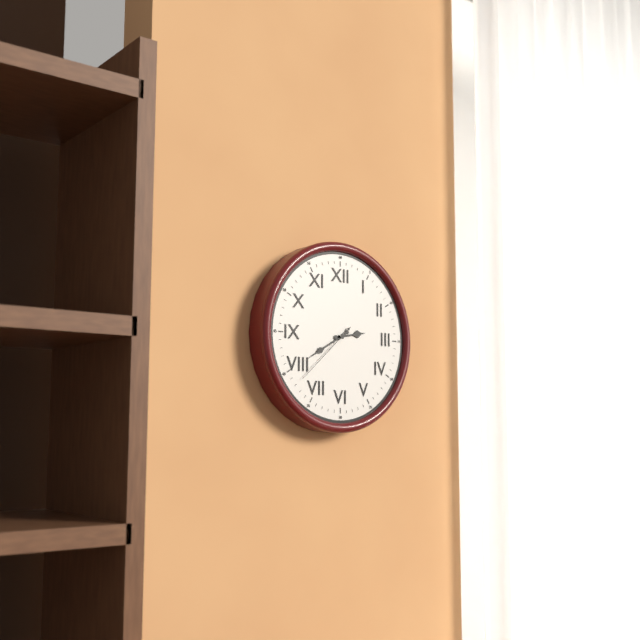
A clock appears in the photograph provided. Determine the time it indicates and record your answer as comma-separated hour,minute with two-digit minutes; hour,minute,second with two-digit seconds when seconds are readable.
2,40,38
